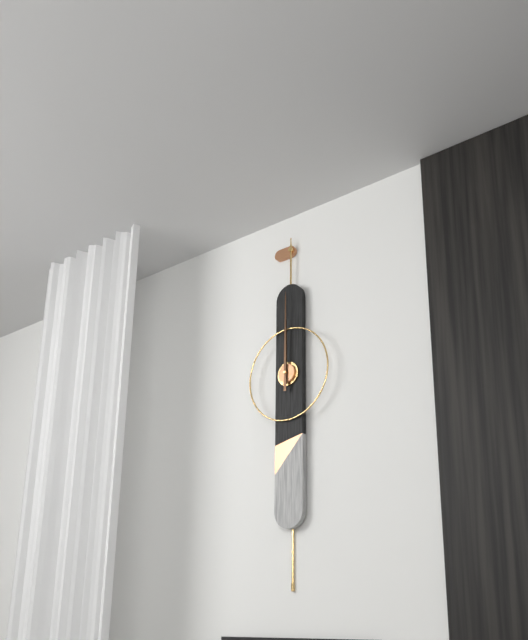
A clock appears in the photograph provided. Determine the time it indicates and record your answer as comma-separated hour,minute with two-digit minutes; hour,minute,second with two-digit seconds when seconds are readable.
12,00
